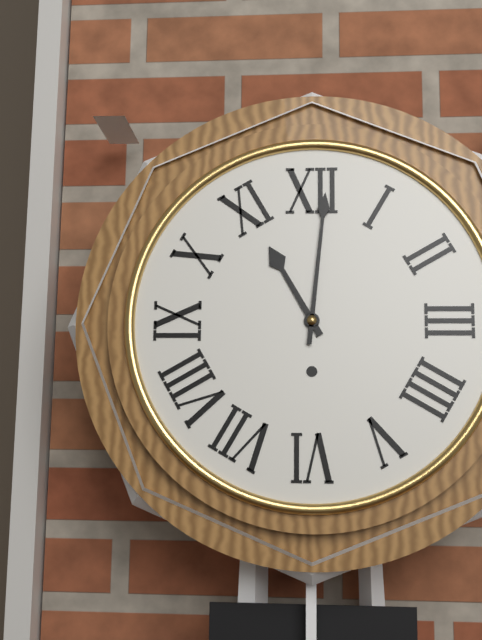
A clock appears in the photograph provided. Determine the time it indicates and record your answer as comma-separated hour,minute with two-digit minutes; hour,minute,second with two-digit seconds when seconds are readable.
11,01
